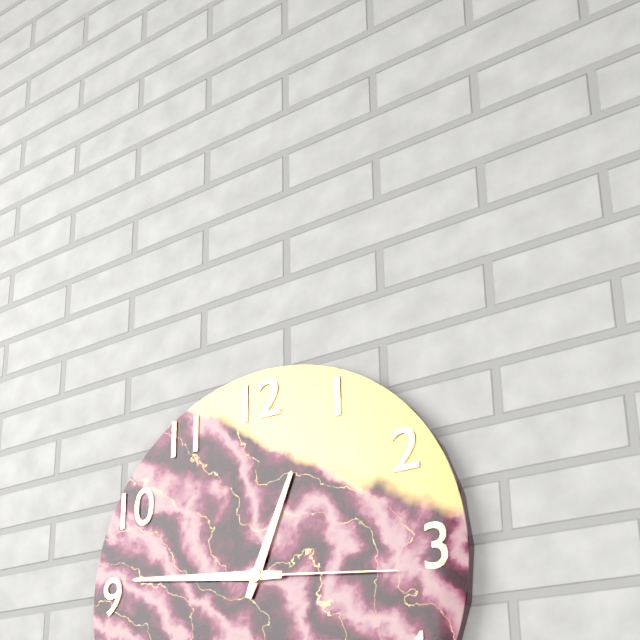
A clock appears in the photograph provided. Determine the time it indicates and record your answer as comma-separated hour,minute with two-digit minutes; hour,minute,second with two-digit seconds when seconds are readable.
12,46,16
